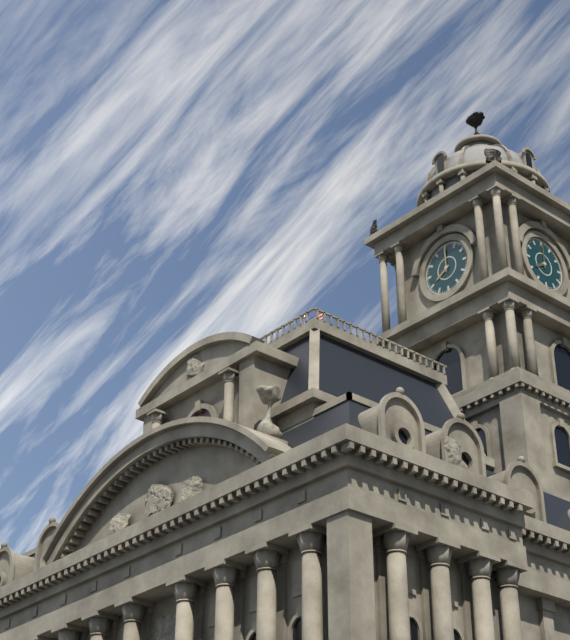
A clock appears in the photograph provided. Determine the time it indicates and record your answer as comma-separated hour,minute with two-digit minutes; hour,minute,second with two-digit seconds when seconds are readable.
8,00
